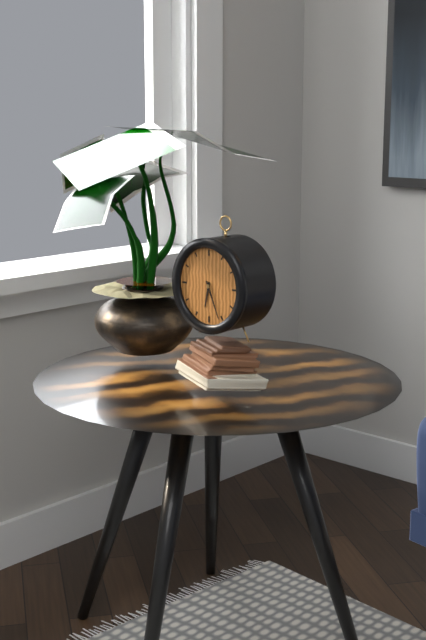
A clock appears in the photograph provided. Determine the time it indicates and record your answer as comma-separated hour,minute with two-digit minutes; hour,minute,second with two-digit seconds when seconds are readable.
6,26
